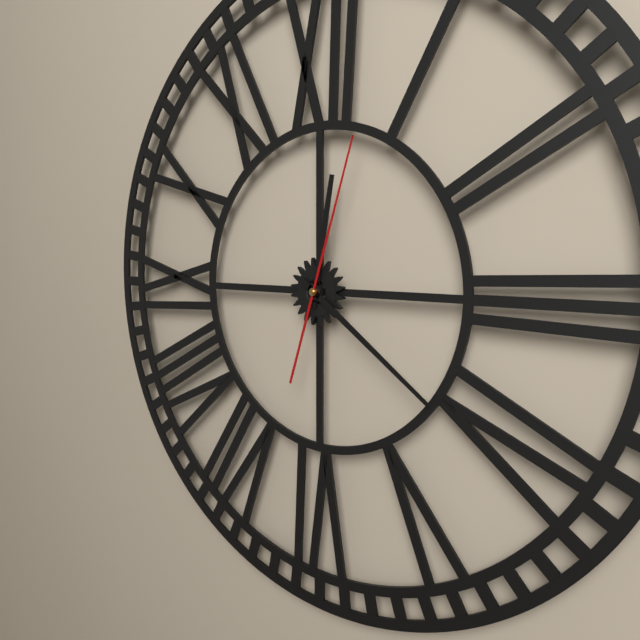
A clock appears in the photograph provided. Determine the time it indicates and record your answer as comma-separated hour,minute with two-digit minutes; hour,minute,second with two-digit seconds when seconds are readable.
12,21,03
